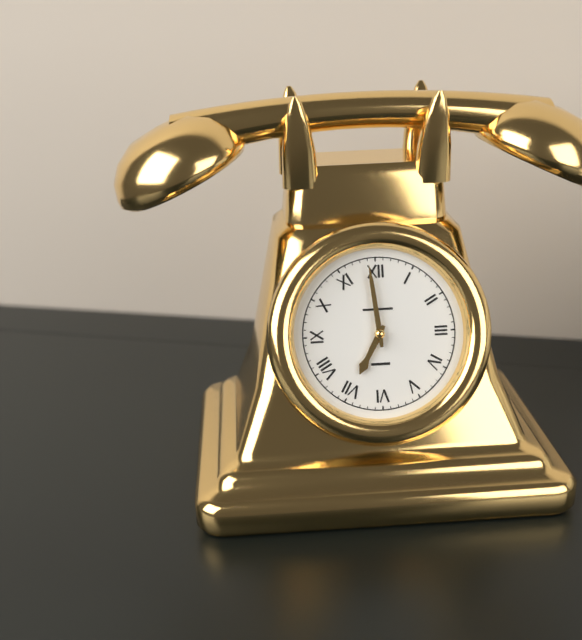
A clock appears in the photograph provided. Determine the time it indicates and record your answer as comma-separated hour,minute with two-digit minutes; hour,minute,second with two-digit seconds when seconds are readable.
6,59
